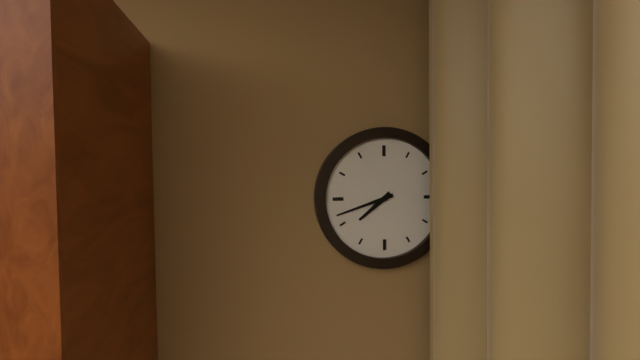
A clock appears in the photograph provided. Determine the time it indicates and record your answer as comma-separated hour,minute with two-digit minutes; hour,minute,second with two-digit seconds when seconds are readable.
7,42
